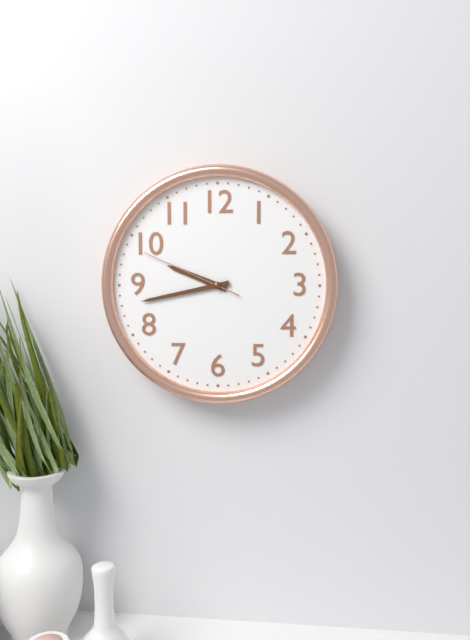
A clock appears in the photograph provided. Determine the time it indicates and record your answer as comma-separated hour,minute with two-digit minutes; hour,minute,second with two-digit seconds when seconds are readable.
9,43,49
